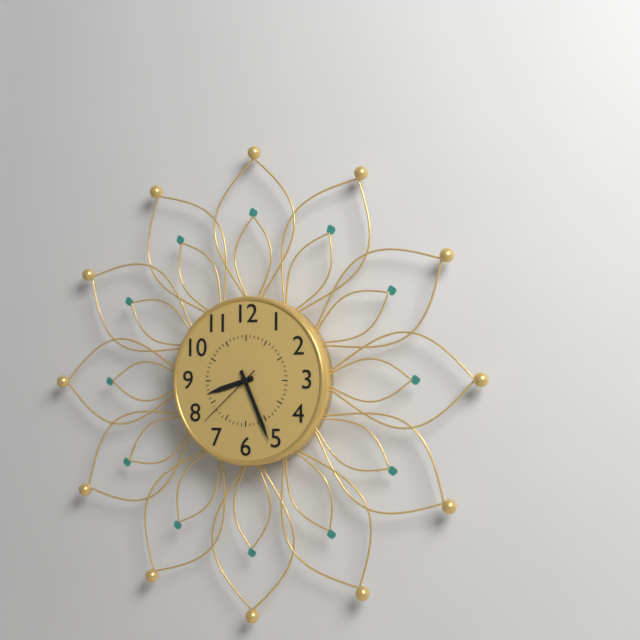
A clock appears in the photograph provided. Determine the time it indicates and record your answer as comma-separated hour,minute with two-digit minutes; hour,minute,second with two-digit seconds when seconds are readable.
8,26,38
